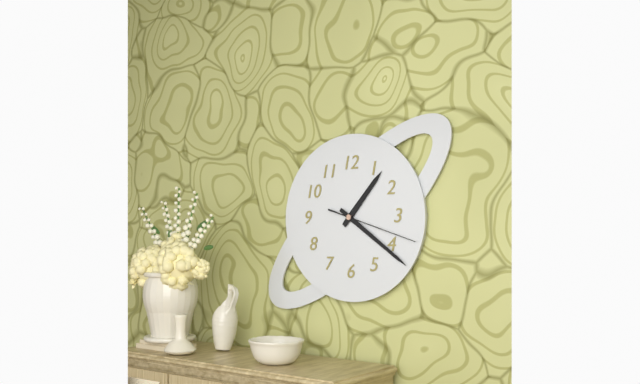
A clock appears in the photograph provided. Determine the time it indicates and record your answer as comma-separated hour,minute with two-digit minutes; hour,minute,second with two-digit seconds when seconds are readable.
1,21,18
